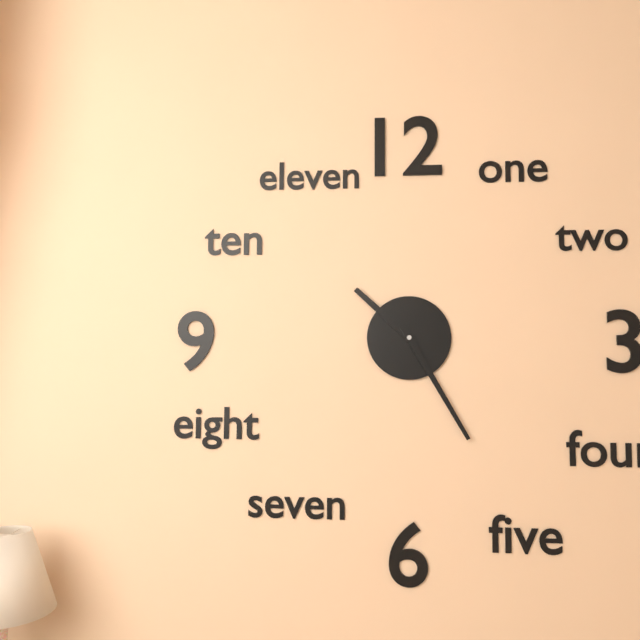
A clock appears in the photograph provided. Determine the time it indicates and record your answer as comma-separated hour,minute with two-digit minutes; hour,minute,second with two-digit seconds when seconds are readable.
10,25
